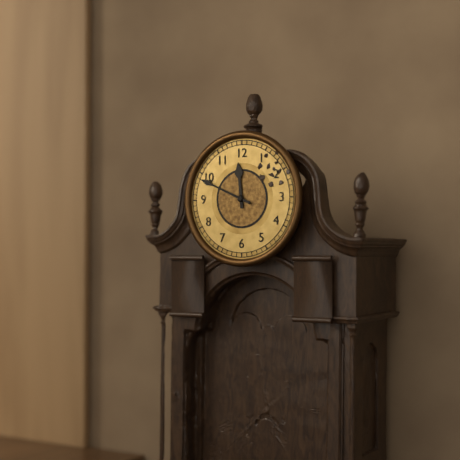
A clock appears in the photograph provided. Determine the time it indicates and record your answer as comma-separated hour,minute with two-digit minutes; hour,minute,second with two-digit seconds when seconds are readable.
11,49
